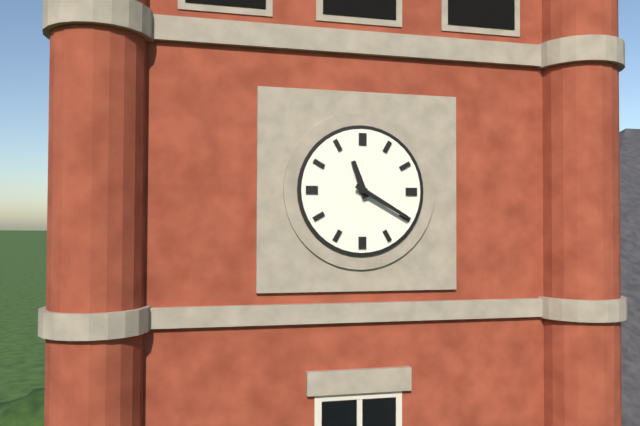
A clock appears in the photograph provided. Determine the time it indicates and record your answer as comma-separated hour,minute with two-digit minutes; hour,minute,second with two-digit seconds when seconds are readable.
11,20
